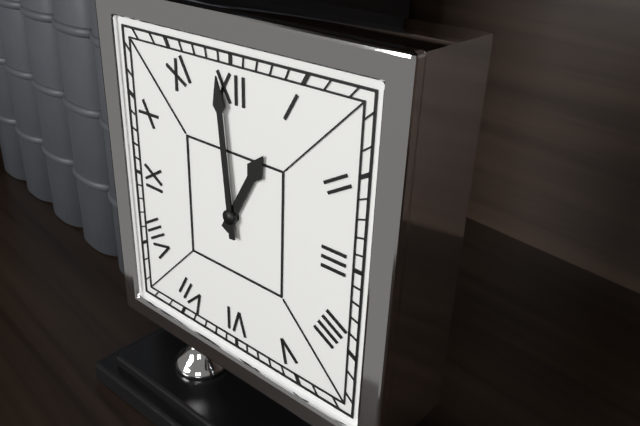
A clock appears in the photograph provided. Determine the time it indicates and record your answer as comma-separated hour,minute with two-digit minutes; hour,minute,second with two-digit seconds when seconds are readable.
12,59
